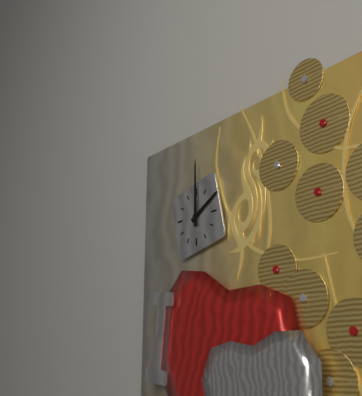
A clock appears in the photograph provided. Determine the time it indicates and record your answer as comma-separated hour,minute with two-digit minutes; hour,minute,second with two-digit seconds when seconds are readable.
2,00
